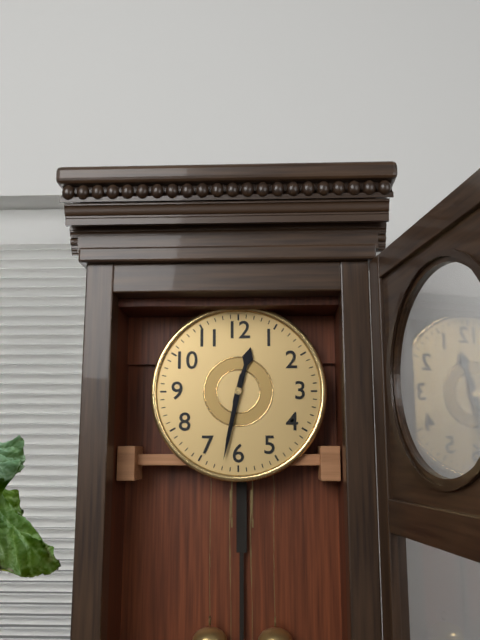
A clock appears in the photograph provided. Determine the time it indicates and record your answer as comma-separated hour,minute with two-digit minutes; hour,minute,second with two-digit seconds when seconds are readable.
12,32
